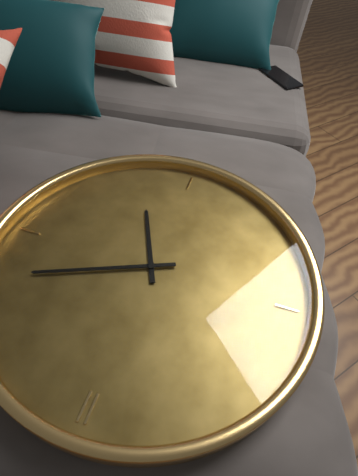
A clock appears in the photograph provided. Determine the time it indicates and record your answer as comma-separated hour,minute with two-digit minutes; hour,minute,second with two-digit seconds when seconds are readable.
5,11
